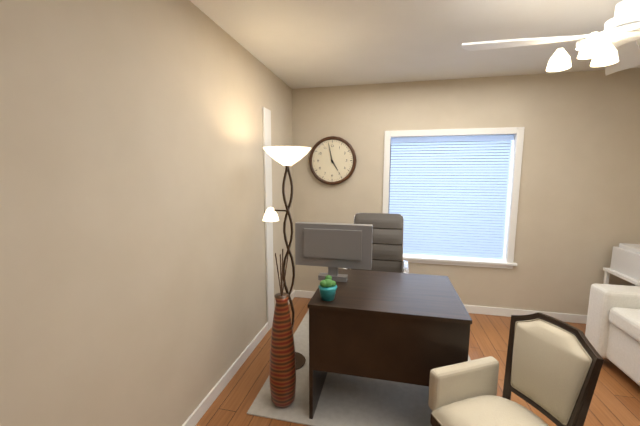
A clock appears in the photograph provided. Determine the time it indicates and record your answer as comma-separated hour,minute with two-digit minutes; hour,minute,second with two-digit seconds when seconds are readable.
4,58
